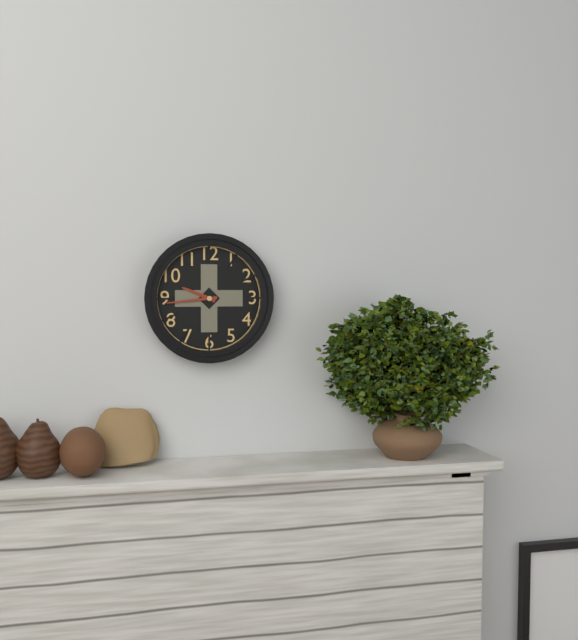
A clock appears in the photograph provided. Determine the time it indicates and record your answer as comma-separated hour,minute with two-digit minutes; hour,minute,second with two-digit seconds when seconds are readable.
9,44
